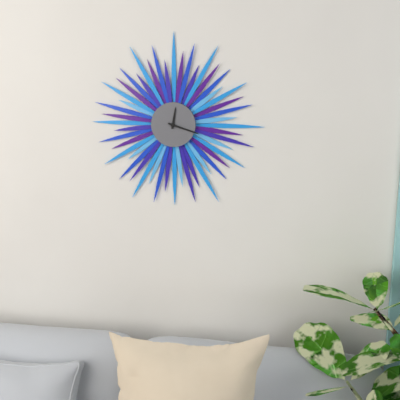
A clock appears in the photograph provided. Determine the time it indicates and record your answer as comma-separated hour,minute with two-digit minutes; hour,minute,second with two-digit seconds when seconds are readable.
12,18
